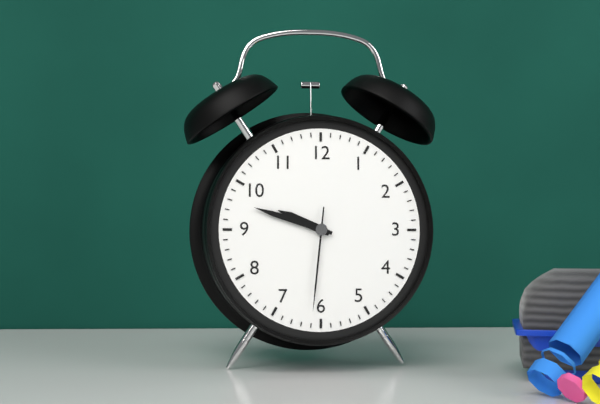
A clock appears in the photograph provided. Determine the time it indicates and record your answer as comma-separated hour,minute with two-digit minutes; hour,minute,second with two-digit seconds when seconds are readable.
9,48,31
